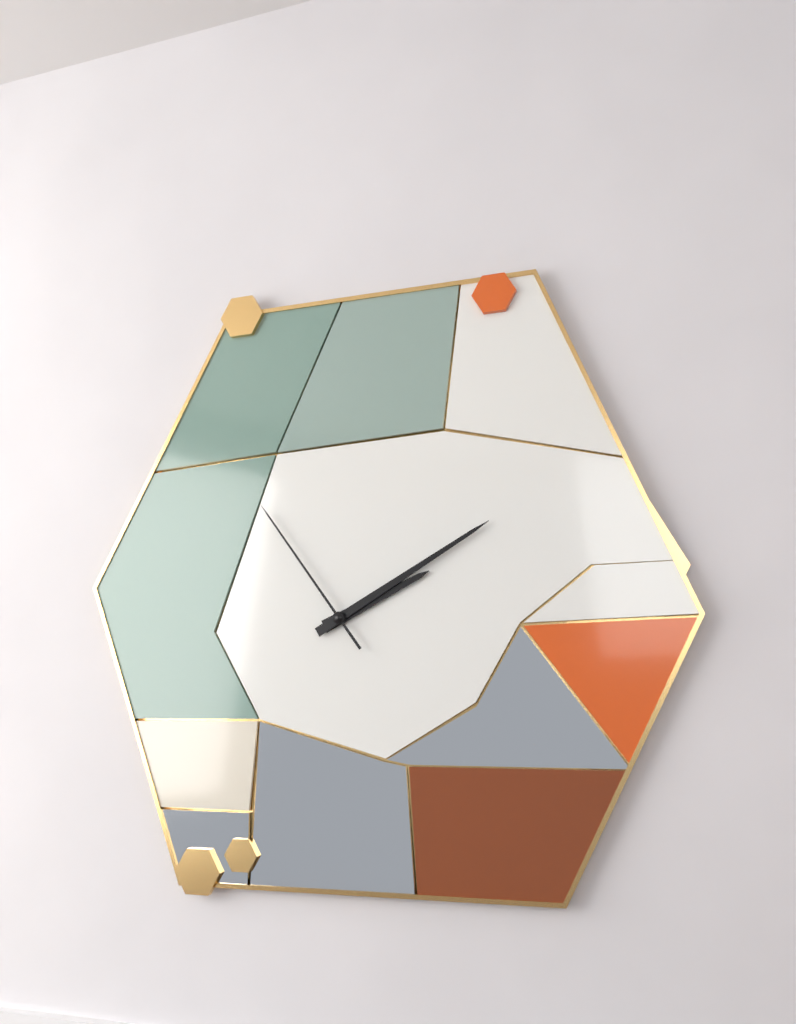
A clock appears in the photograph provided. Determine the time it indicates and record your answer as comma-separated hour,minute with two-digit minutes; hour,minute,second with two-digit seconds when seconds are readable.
2,10,54
